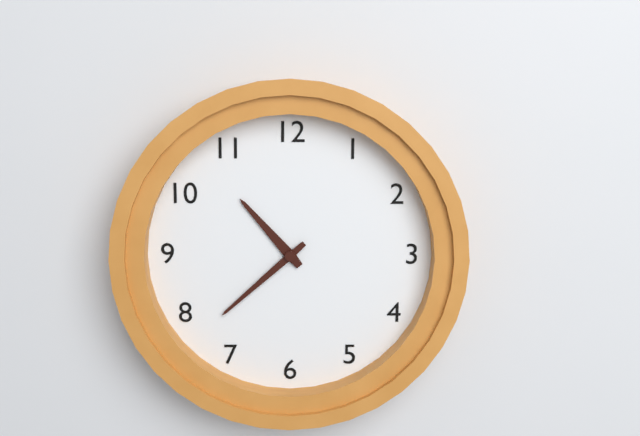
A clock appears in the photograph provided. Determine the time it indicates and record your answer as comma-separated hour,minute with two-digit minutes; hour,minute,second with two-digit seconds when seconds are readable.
10,38
